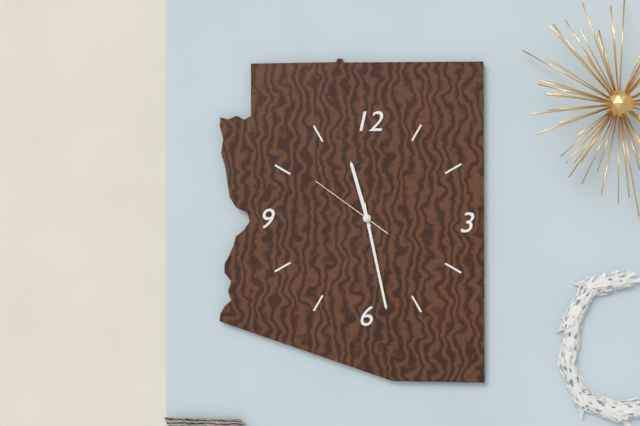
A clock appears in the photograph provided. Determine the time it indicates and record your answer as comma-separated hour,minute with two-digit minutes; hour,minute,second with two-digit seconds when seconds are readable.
11,28,51
